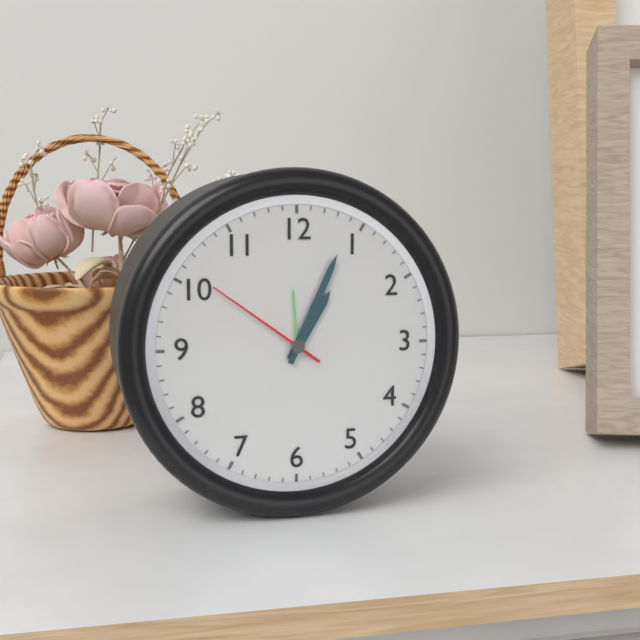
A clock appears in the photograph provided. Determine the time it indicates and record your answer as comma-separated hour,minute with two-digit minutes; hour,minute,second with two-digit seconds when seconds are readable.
1,04,51
